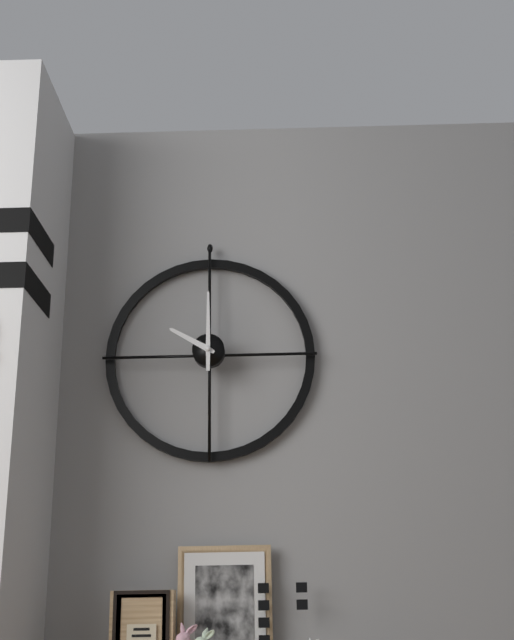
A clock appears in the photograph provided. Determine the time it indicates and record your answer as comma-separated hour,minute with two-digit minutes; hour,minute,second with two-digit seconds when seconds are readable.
10,00
